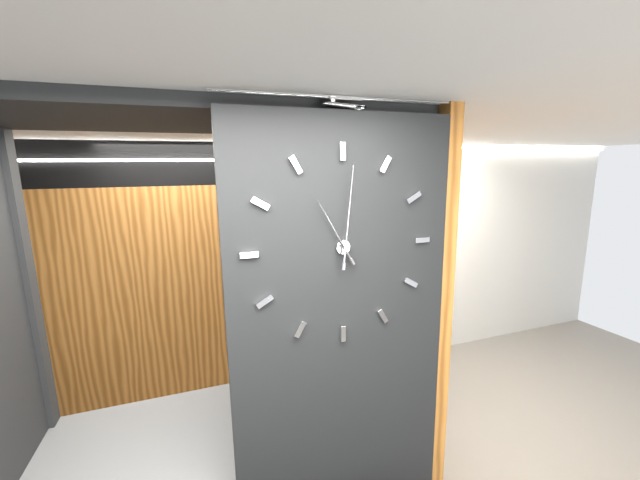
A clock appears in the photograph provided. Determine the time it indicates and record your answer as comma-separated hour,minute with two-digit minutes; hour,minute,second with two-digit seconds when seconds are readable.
11,01
